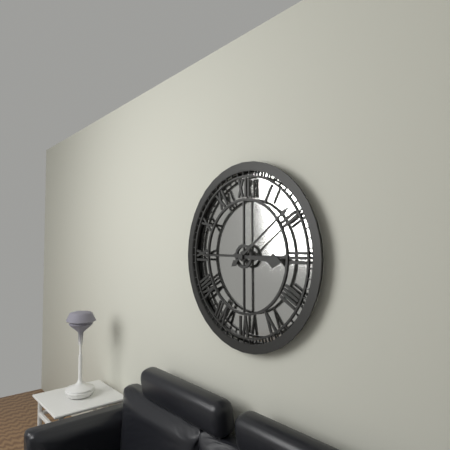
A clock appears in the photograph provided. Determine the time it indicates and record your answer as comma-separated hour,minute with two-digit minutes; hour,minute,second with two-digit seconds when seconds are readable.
3,09
